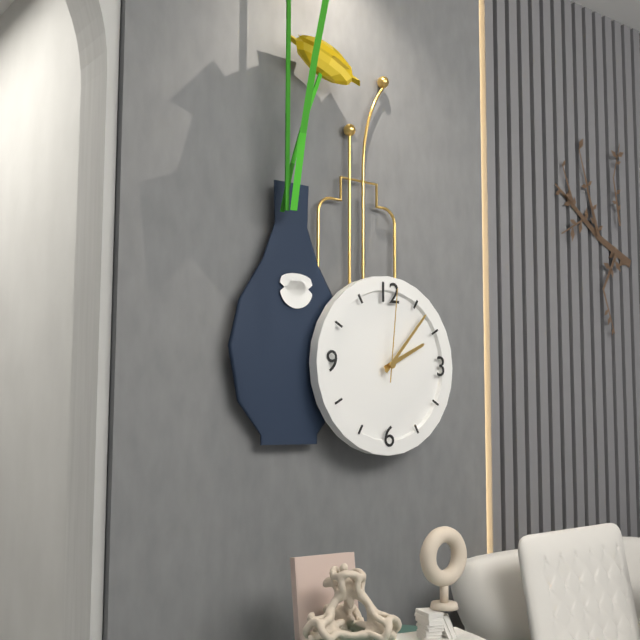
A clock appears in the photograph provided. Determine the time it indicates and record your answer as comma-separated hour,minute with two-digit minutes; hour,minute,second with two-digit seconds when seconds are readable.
2,07,01
